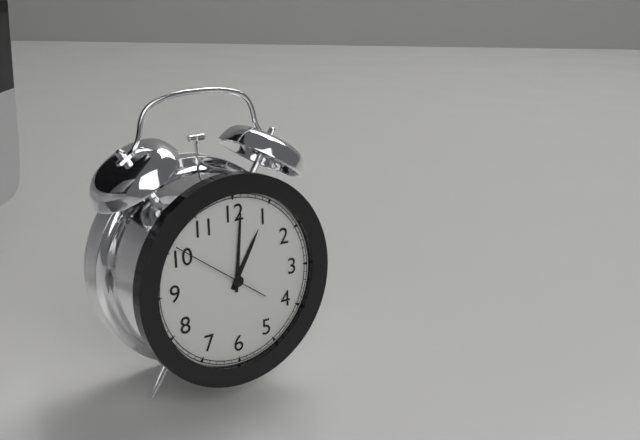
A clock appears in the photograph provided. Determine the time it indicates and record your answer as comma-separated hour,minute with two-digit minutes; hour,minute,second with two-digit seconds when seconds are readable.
1,01,51
